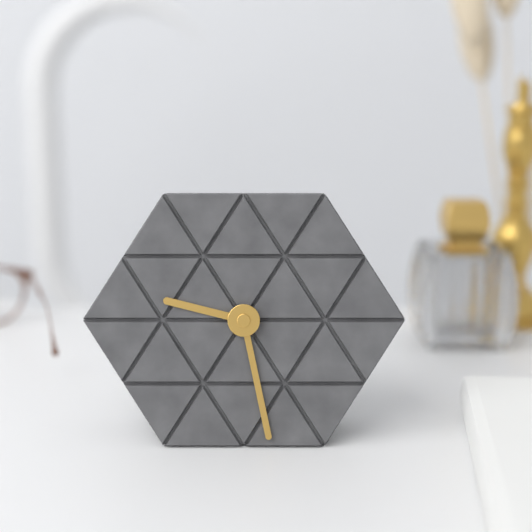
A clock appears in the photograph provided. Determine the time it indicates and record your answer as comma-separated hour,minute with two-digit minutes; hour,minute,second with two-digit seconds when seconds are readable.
9,28
